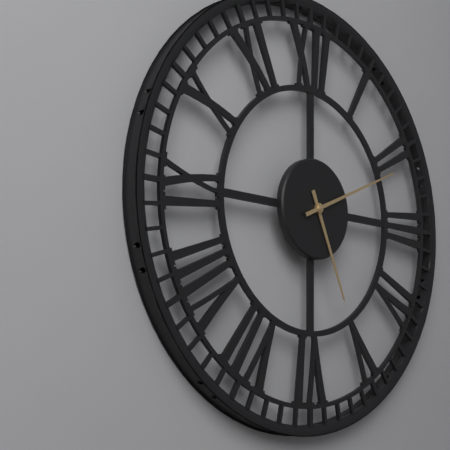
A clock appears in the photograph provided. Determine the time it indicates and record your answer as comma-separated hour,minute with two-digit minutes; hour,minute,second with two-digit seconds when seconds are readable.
5,11
